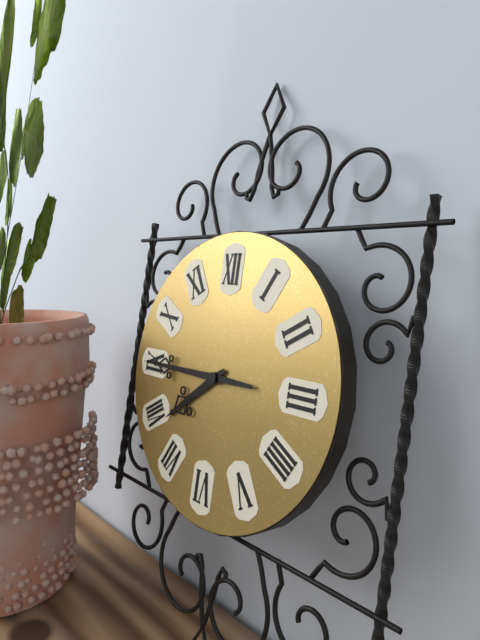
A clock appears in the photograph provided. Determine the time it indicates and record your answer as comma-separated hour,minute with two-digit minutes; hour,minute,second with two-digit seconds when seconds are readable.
7,45
